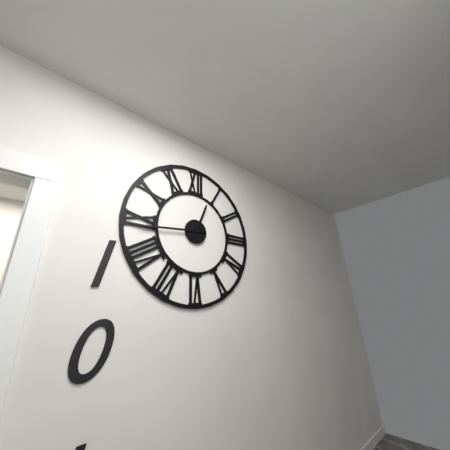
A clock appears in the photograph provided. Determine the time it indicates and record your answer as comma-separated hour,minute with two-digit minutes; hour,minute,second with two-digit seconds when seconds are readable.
12,44
